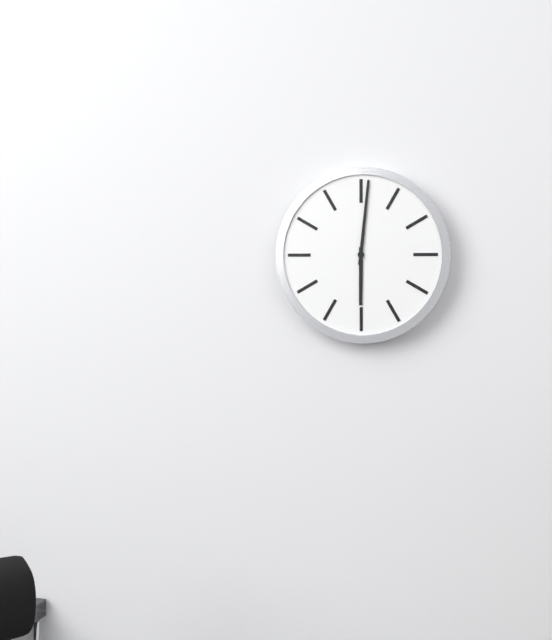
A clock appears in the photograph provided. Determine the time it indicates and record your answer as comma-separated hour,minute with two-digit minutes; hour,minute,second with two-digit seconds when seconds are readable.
6,01
